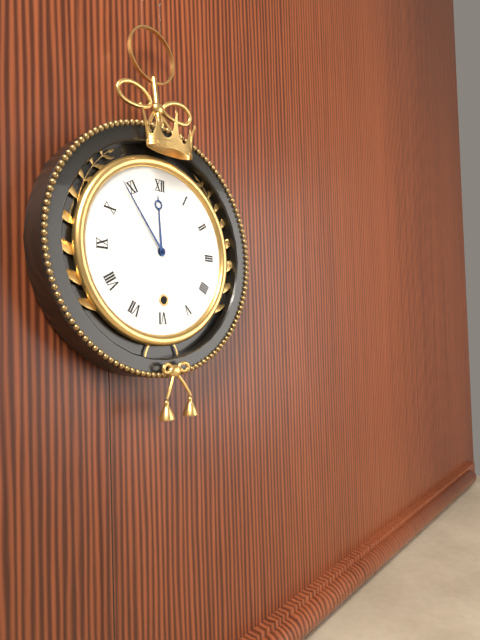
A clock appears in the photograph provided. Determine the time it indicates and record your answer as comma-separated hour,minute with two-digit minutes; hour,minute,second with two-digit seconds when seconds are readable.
11,54
